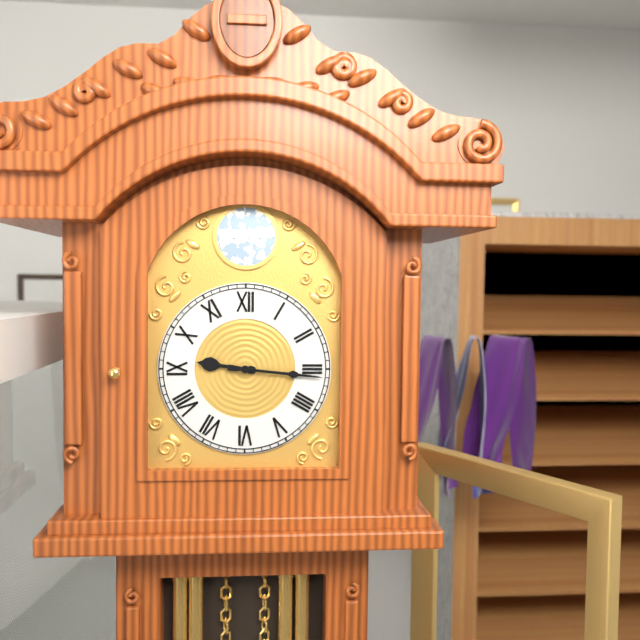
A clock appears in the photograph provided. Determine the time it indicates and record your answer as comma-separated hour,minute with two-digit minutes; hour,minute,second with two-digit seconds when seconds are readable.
9,16
